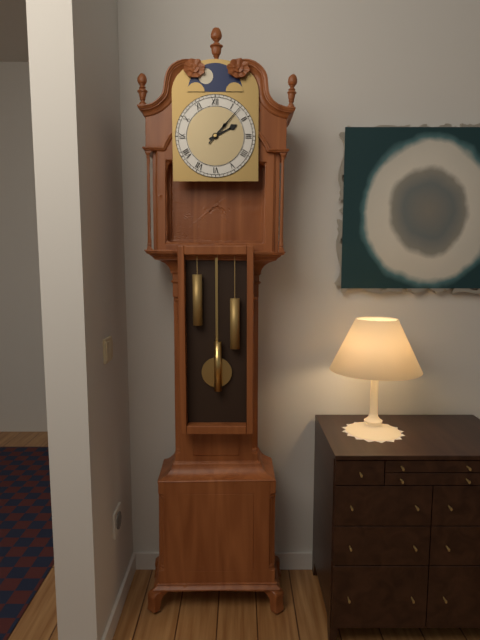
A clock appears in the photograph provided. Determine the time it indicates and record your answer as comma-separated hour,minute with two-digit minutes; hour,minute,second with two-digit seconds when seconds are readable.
2,07
